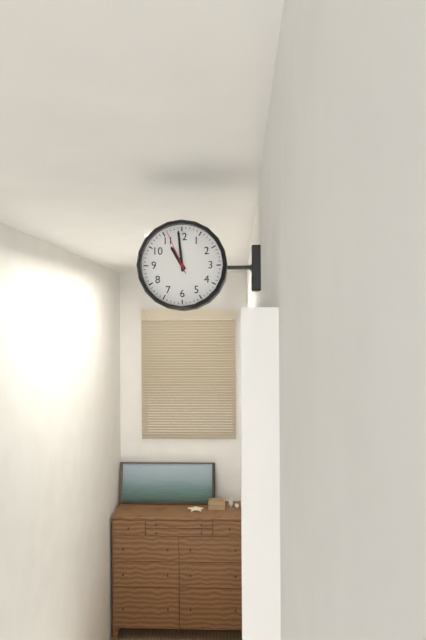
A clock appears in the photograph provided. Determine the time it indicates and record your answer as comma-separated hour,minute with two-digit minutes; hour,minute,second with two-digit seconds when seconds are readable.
10,59
